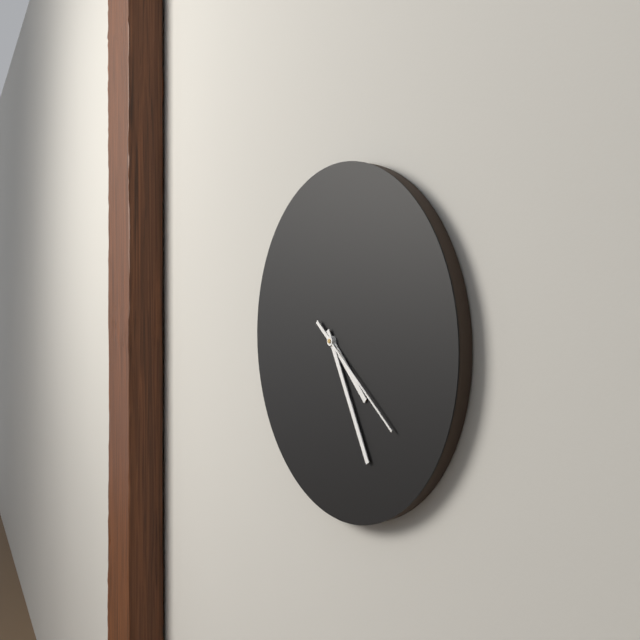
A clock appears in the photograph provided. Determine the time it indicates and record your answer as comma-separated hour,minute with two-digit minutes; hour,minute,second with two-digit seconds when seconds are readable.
4,25,21
